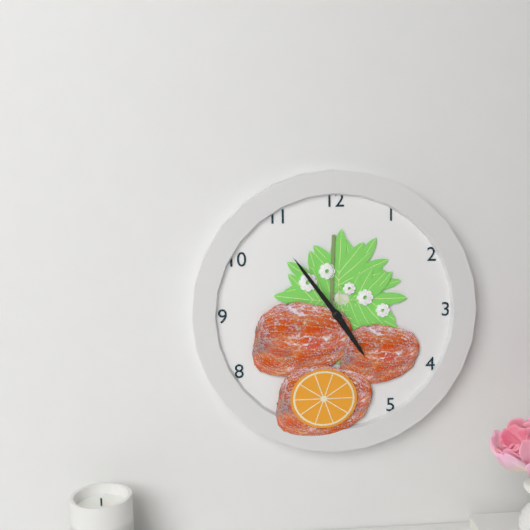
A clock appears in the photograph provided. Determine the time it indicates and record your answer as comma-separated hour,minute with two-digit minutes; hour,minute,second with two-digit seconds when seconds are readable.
4,54
